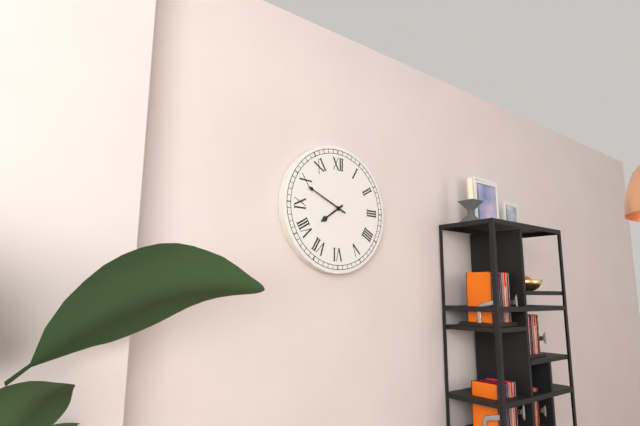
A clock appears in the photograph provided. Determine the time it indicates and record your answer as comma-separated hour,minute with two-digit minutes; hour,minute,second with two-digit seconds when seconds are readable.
7,49
